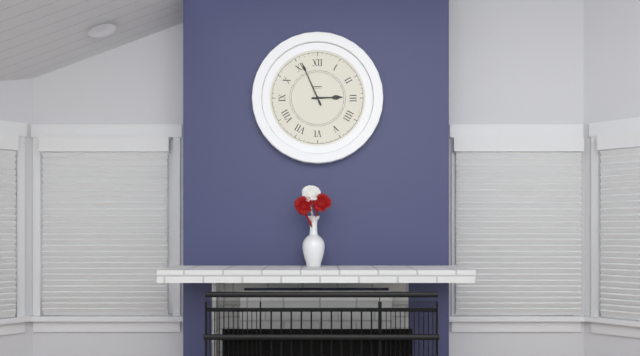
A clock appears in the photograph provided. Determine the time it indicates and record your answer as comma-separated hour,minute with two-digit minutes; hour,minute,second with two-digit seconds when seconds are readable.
2,56
